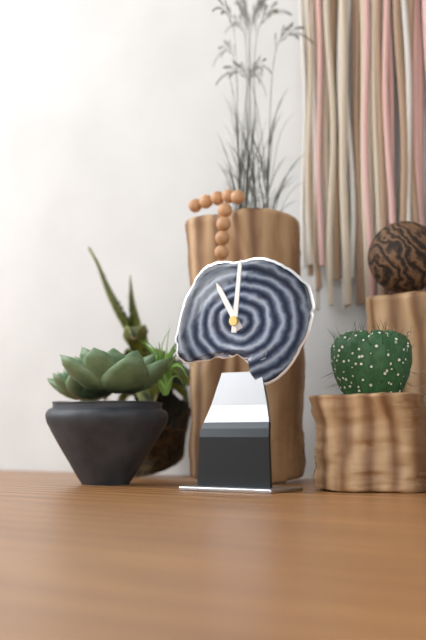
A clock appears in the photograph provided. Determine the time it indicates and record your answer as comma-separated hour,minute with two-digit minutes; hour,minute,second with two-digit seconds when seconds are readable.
11,01
